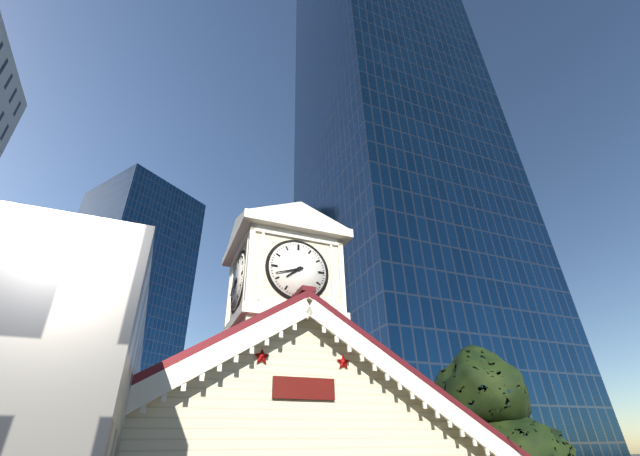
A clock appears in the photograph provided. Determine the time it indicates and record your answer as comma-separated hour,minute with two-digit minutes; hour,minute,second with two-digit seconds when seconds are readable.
7,42
